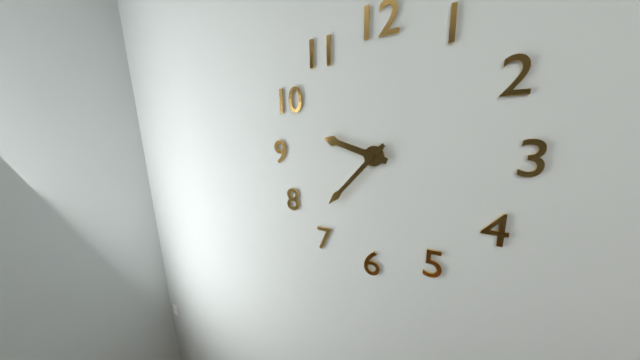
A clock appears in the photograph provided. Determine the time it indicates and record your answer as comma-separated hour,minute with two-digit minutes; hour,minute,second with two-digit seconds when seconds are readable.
9,37
